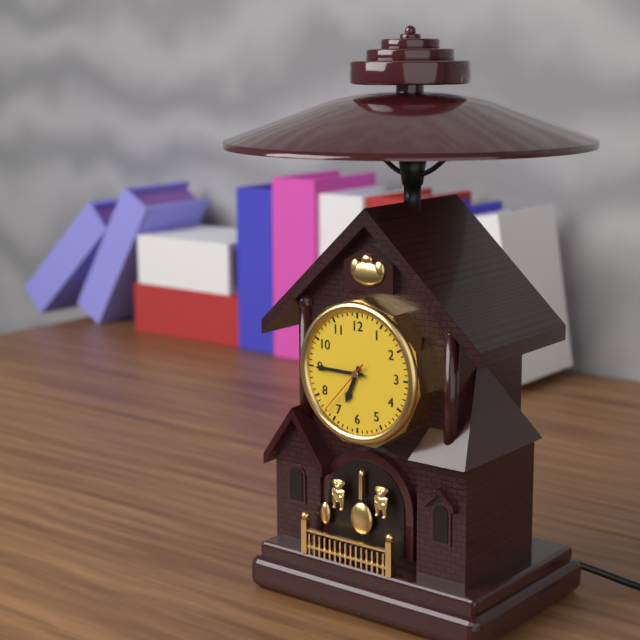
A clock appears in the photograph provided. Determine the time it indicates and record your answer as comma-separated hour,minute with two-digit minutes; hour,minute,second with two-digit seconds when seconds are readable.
6,45,37
